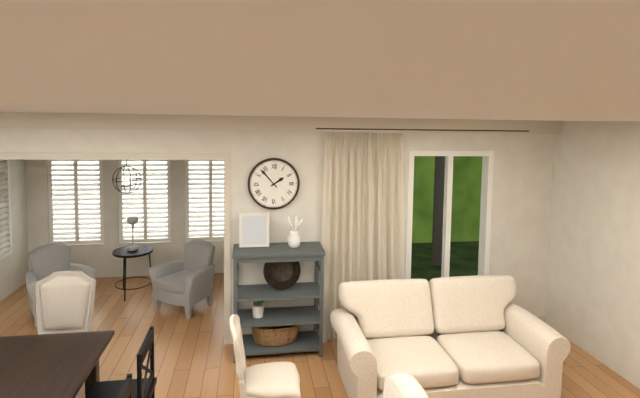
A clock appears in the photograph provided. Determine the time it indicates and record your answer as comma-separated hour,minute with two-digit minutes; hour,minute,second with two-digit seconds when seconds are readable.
1,53
